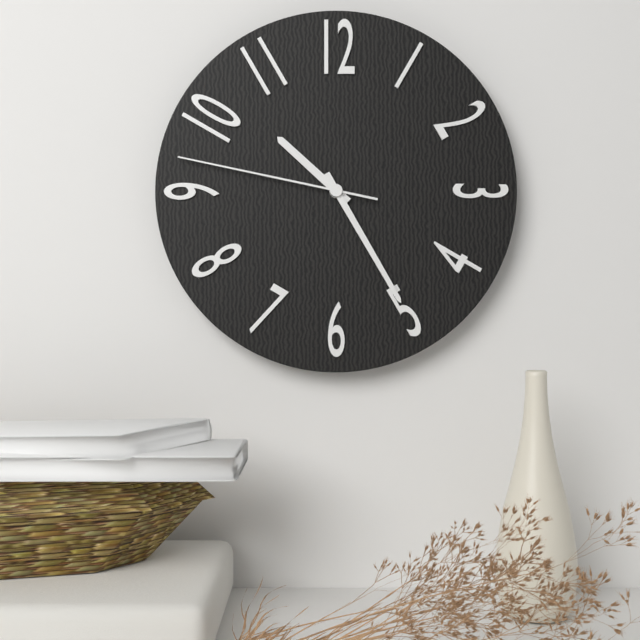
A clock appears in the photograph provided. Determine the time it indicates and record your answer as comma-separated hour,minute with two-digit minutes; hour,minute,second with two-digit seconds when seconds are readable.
10,25,47
